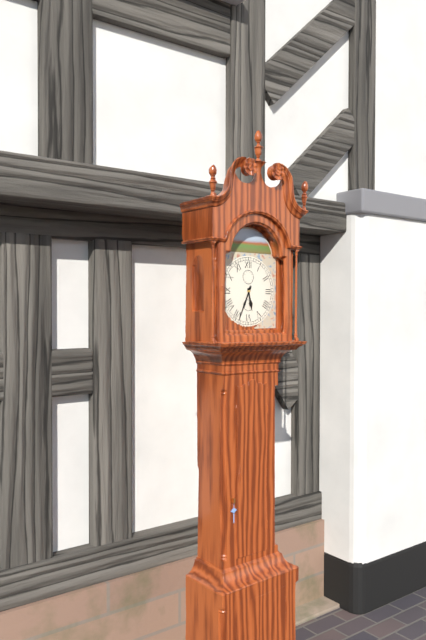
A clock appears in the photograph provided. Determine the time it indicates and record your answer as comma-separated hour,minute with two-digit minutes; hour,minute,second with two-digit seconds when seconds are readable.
5,34
